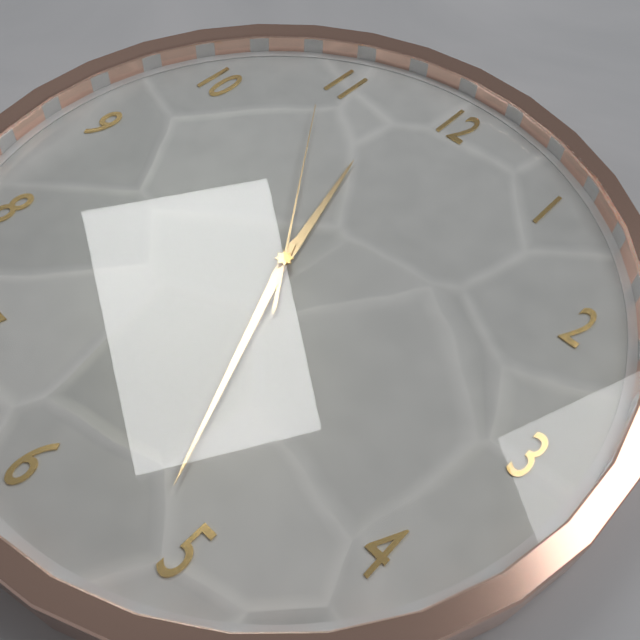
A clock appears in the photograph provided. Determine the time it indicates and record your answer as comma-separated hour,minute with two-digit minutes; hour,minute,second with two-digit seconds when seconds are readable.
11,26,54
